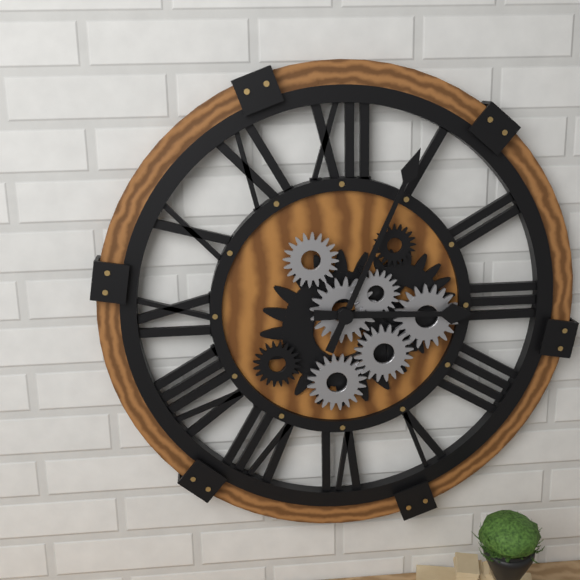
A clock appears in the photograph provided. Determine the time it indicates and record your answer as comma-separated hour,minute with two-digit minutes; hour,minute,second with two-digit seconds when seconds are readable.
3,04
